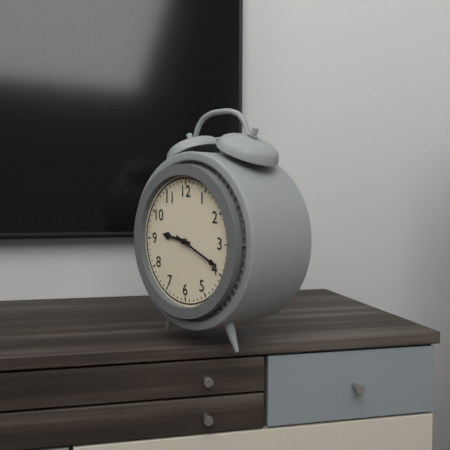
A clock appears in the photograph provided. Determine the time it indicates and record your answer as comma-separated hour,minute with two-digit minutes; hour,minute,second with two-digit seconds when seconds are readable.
9,19
